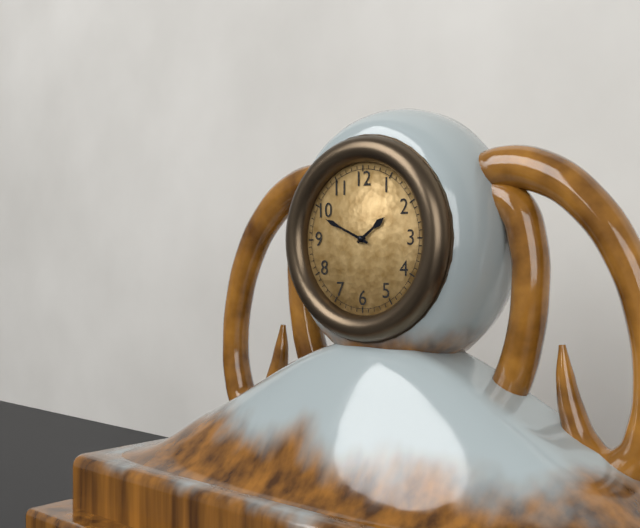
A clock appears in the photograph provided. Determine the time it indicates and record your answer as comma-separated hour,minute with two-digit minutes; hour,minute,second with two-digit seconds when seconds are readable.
1,49
